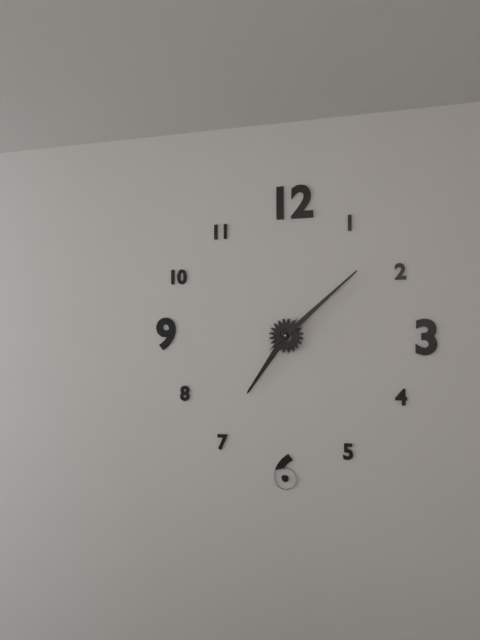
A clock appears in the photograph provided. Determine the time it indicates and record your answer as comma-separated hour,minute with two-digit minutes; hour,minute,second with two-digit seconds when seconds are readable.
7,08
